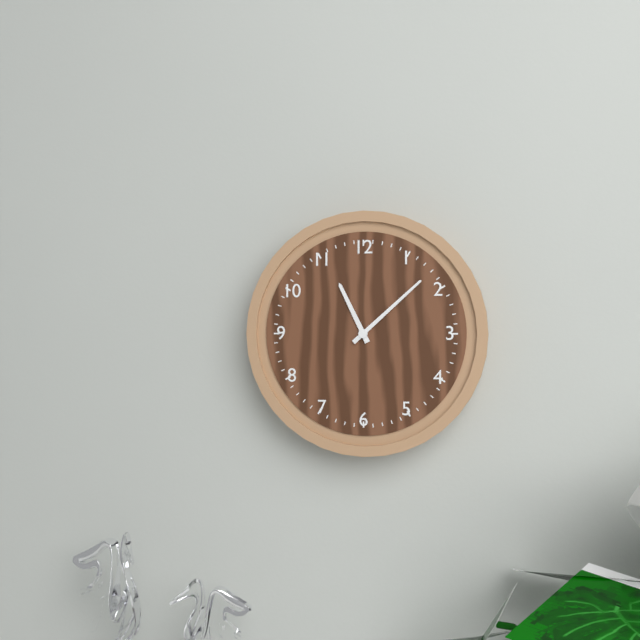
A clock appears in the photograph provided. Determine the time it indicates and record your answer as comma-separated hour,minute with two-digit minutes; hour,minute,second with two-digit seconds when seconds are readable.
11,08
